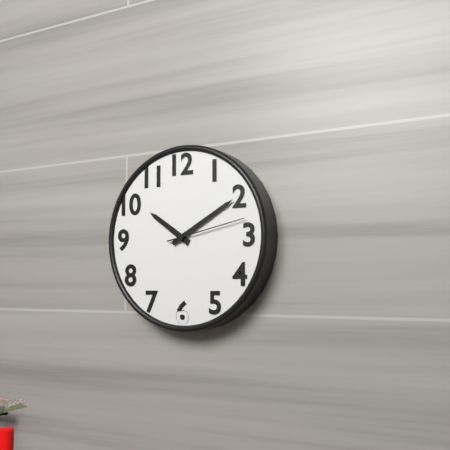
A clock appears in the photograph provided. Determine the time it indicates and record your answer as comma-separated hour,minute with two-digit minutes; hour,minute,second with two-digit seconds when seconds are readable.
10,10,13
